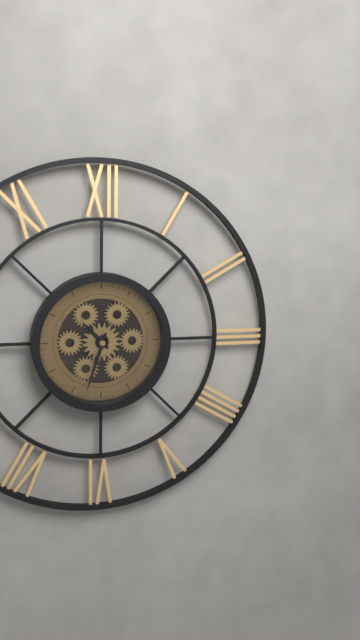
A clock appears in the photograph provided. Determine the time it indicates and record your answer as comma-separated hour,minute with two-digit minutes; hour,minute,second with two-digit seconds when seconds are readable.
10,33
